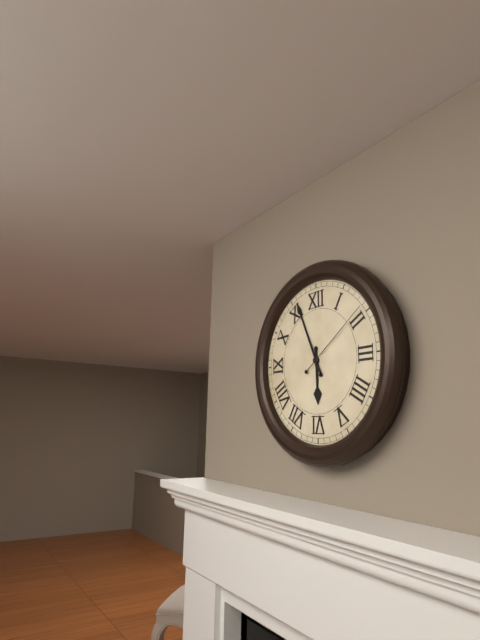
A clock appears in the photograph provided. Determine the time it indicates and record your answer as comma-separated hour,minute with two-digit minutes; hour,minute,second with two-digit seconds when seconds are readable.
5,56,09
